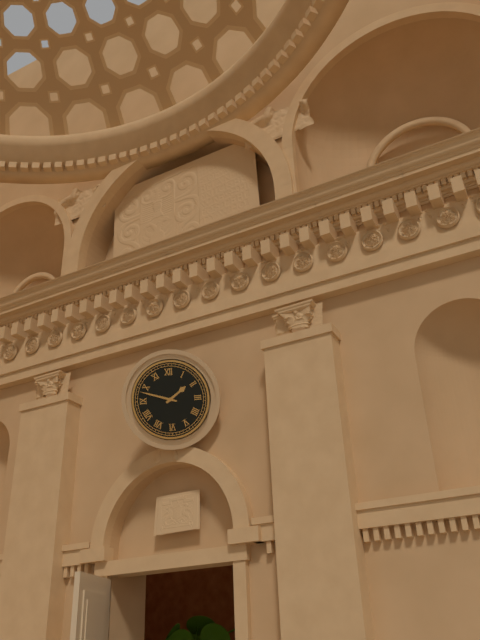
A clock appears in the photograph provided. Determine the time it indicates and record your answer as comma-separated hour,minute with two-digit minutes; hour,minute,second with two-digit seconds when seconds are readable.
1,48
